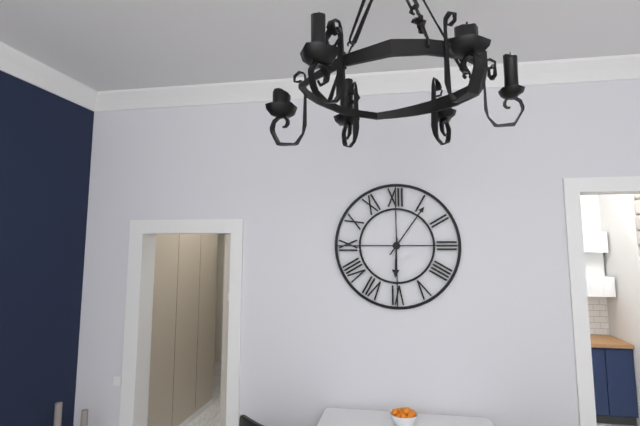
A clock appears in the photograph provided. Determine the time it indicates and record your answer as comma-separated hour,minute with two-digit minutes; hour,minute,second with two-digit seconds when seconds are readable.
6,06
